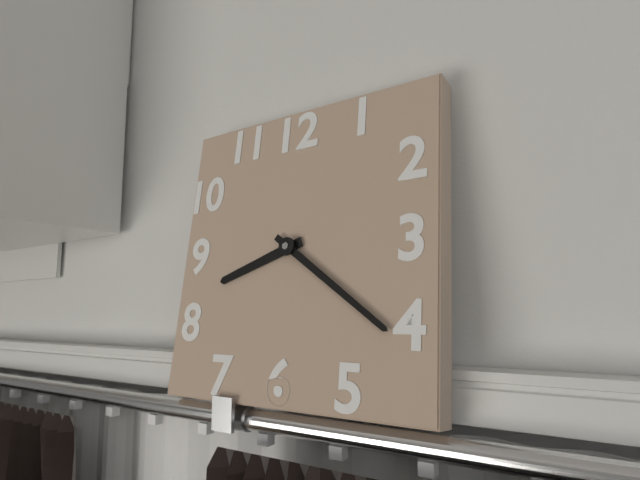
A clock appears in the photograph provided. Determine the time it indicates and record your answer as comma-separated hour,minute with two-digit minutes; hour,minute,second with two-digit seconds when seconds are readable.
8,21
